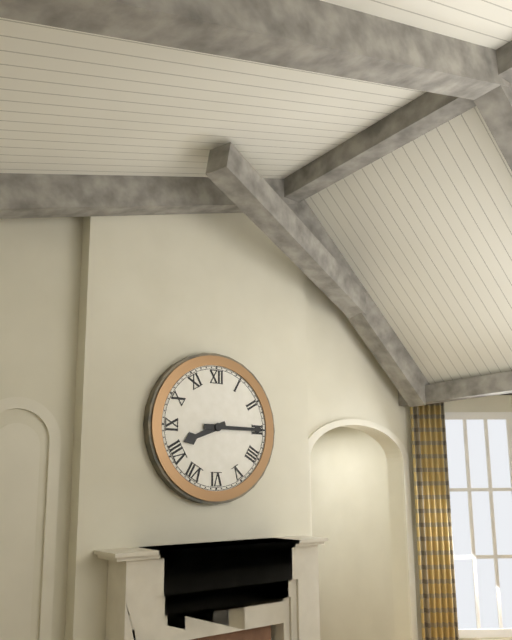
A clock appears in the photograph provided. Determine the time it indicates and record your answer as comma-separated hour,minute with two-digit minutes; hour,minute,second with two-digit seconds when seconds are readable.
8,15
